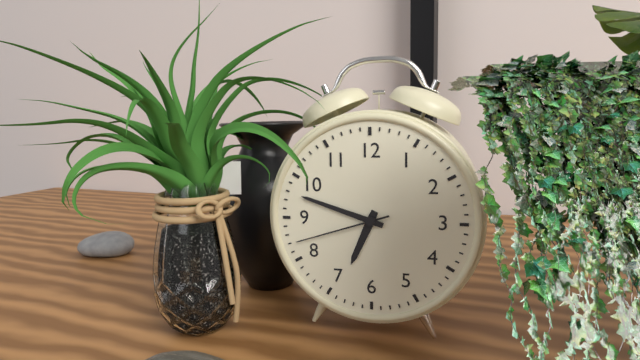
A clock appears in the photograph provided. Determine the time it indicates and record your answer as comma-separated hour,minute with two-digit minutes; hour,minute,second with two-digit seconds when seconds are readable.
6,48,42
